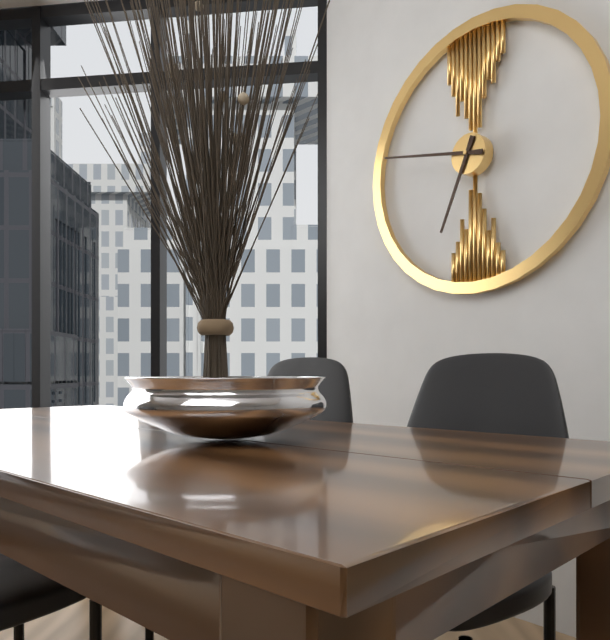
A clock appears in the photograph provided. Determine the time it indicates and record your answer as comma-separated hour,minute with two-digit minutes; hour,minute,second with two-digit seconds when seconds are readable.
6,47
